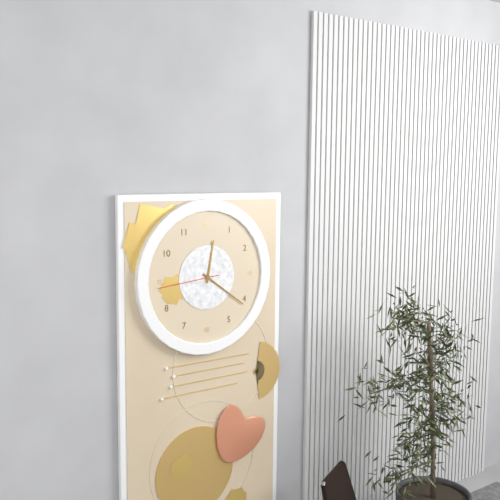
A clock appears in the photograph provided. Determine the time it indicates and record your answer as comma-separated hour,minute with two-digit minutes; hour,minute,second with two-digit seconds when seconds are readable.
12,21,44
